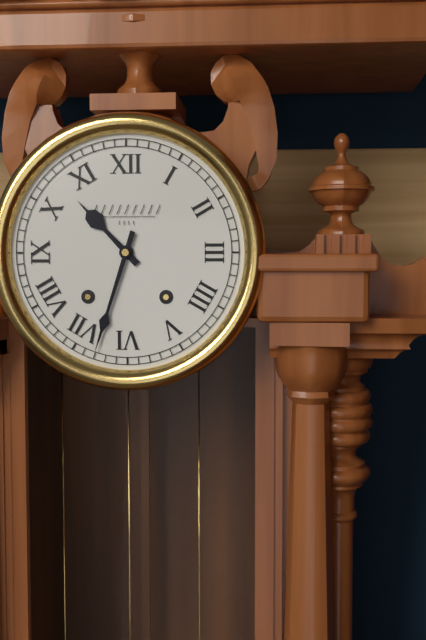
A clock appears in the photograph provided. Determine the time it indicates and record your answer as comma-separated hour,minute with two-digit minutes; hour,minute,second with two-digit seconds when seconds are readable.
10,33
